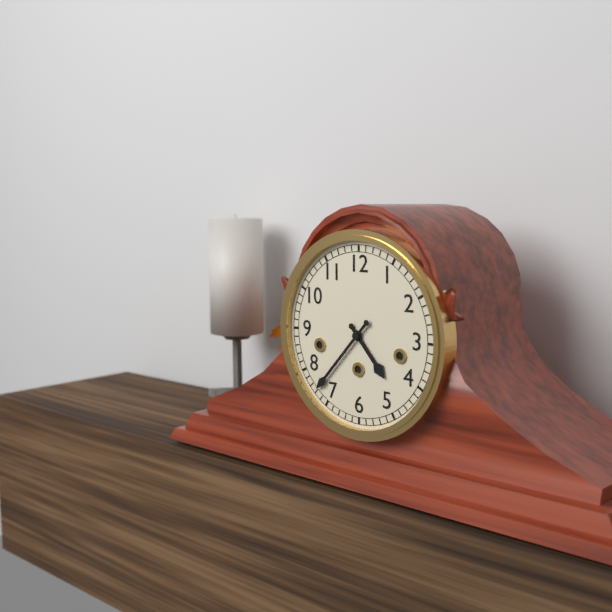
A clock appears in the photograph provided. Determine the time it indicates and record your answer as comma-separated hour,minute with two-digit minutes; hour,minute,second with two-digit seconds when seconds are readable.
4,37
